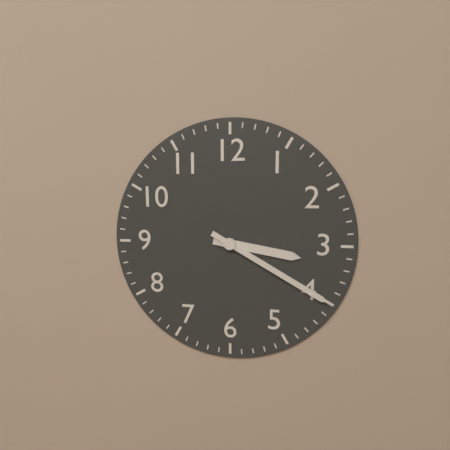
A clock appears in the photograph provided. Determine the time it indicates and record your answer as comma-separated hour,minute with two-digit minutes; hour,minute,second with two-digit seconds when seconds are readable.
3,20
